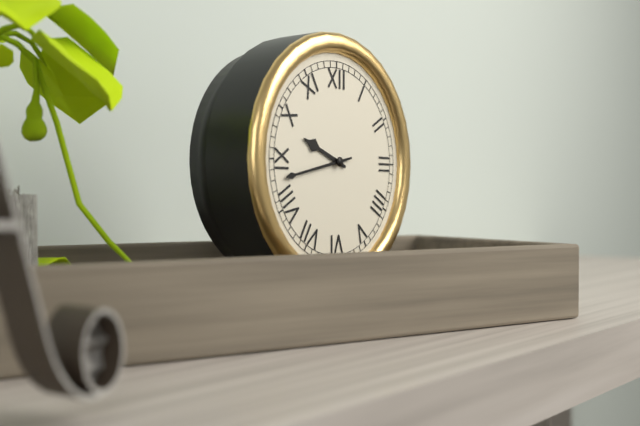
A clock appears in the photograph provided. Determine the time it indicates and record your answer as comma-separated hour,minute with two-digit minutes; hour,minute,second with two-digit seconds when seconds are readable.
9,43
